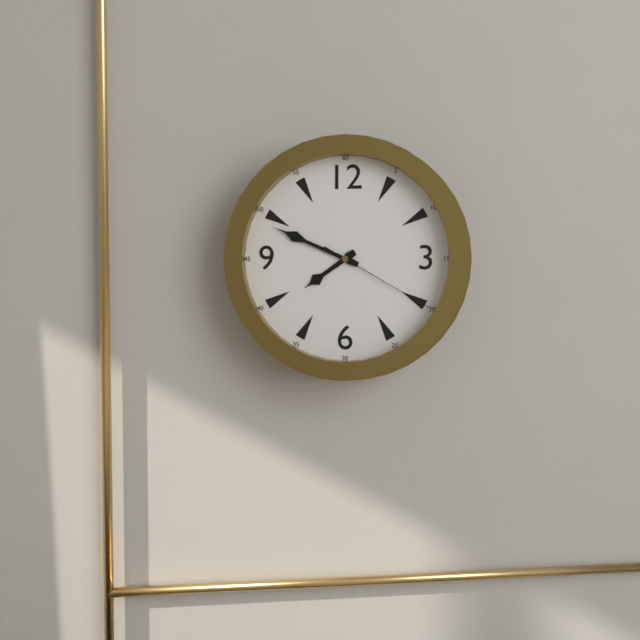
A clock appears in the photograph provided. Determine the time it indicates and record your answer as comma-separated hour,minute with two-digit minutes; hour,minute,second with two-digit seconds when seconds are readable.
7,49,20
